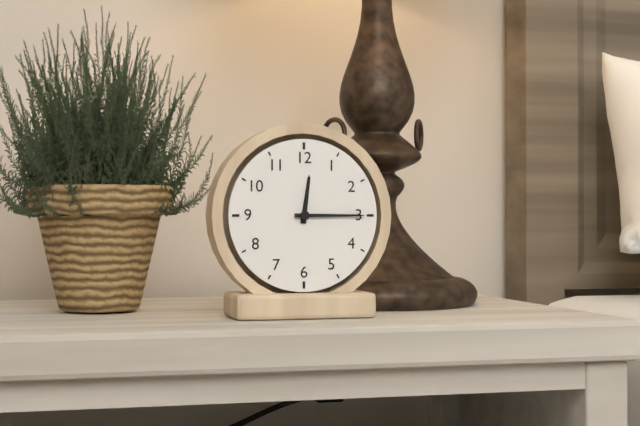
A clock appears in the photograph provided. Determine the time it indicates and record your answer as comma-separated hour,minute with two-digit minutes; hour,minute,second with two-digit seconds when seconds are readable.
12,15
